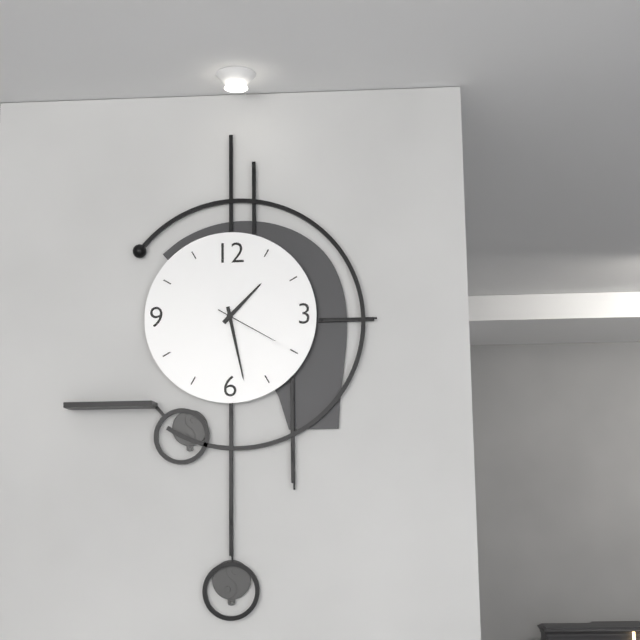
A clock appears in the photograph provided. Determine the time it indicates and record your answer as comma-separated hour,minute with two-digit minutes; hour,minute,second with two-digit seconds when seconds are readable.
1,28,20
